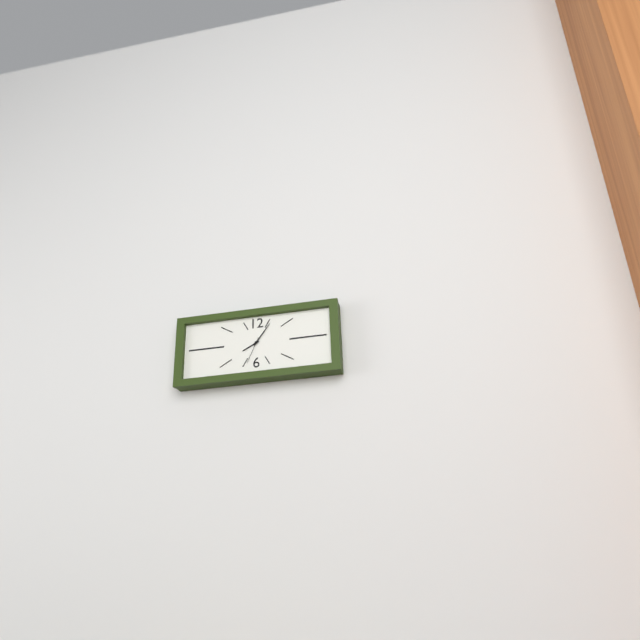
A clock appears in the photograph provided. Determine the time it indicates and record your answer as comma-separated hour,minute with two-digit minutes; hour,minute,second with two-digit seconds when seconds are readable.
8,06
